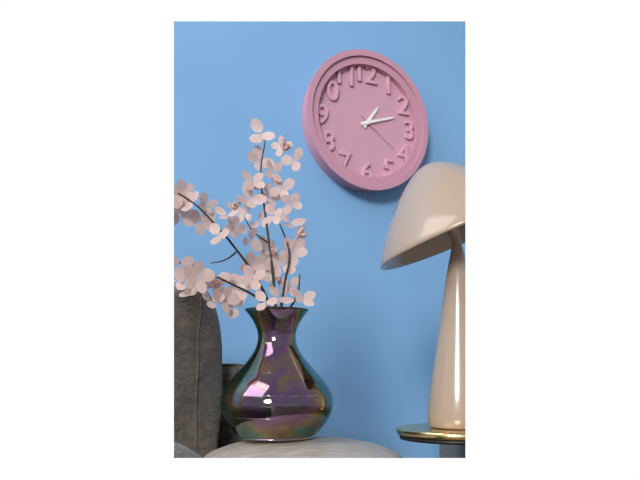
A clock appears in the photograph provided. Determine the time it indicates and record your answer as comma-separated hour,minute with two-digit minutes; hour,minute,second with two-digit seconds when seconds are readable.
1,12
